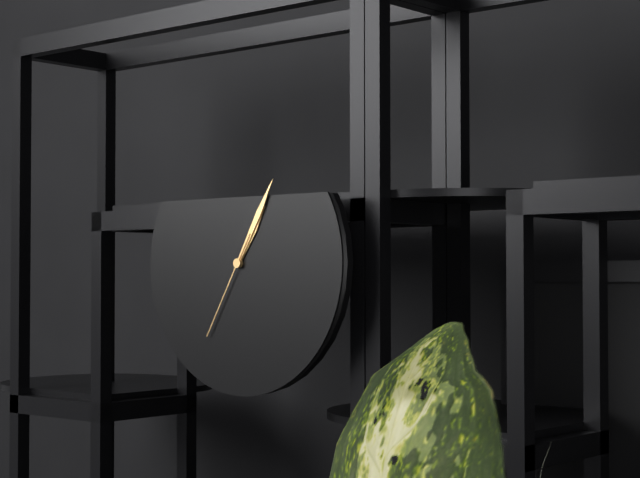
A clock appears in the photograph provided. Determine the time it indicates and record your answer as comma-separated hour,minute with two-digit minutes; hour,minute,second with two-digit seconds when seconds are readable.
1,05,35
